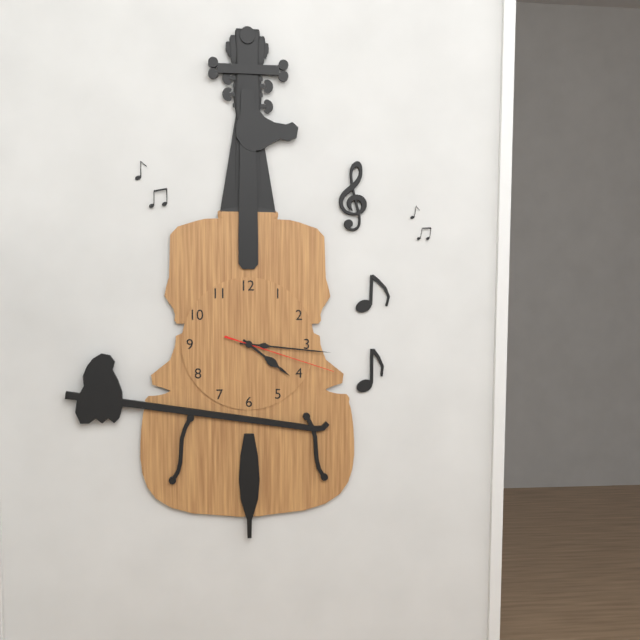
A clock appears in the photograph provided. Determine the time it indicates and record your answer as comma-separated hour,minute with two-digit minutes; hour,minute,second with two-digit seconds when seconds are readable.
4,16,18
